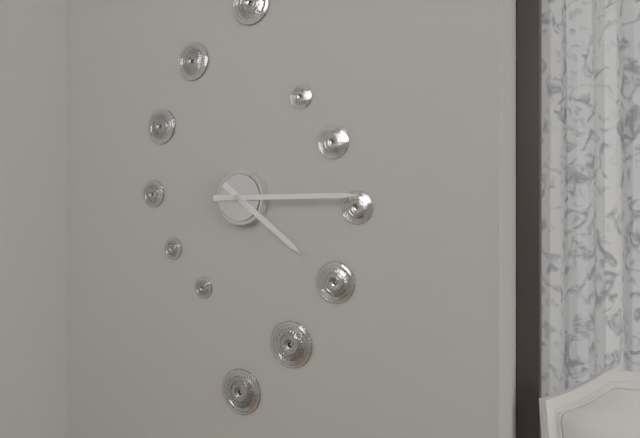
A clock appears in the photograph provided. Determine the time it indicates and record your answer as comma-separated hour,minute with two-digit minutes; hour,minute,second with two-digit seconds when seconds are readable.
4,15
